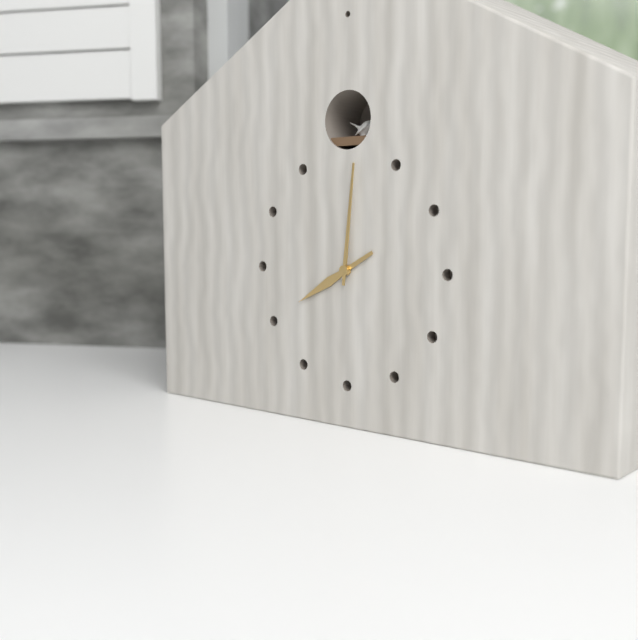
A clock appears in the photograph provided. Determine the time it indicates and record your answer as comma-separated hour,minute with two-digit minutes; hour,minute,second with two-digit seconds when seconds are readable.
8,01
